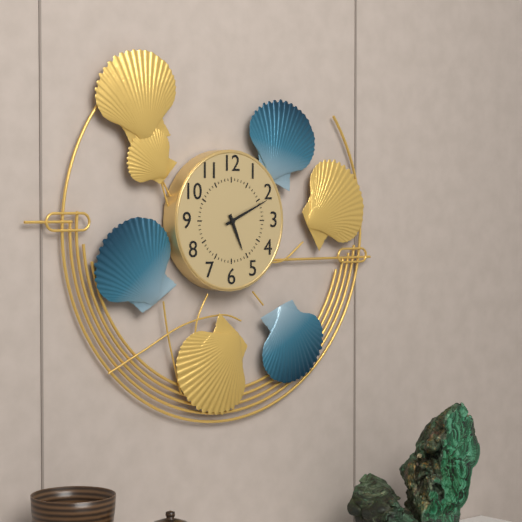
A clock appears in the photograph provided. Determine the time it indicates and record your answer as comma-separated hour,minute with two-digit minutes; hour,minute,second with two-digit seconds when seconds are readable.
5,11
